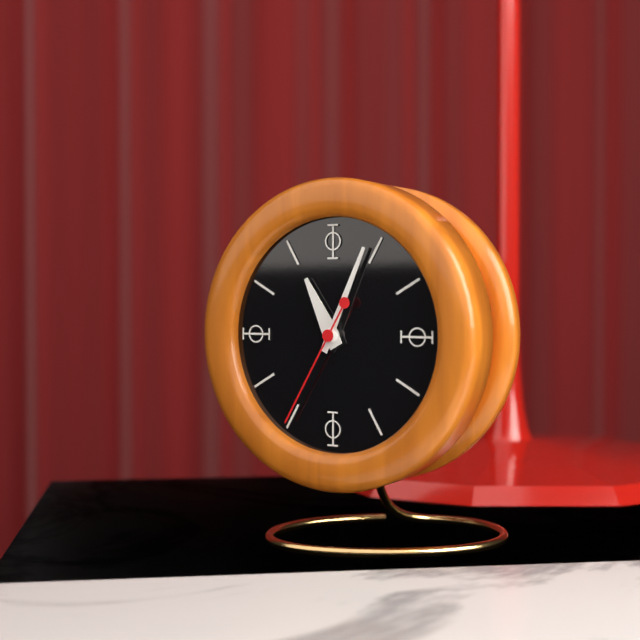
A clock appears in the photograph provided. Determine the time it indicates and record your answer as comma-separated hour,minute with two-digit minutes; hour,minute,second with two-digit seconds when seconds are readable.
11,04,35
